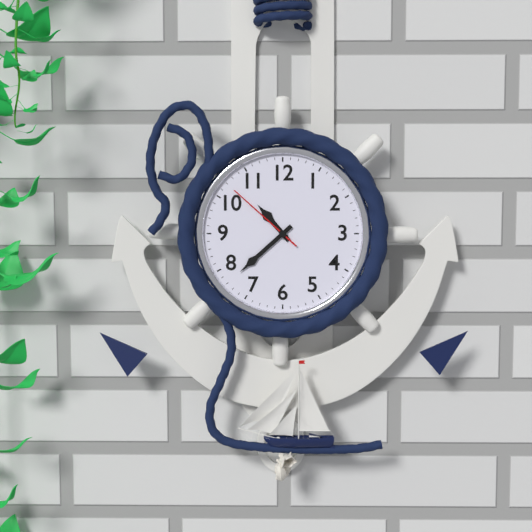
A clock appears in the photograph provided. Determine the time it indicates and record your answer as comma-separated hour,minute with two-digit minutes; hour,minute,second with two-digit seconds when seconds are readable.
10,38,52
